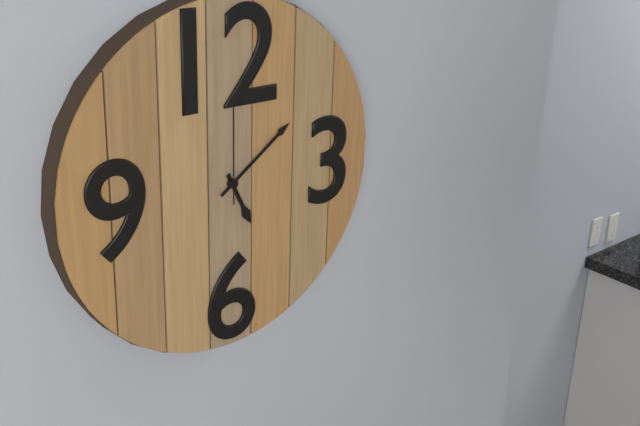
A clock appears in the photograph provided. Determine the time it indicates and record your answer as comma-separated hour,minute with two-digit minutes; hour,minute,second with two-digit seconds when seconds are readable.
5,09,00
